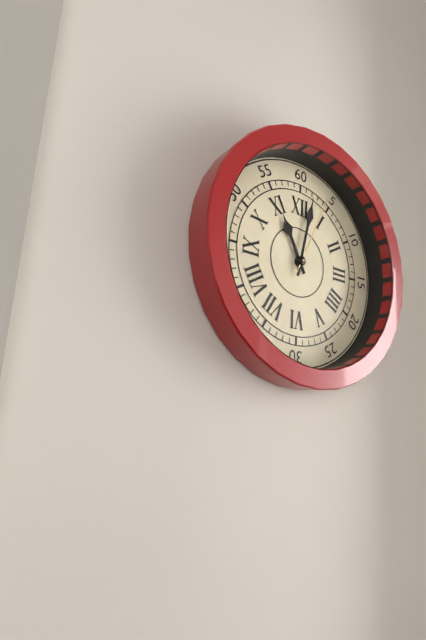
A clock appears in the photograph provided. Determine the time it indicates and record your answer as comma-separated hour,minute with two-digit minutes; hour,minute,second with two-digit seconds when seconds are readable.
11,02,04
